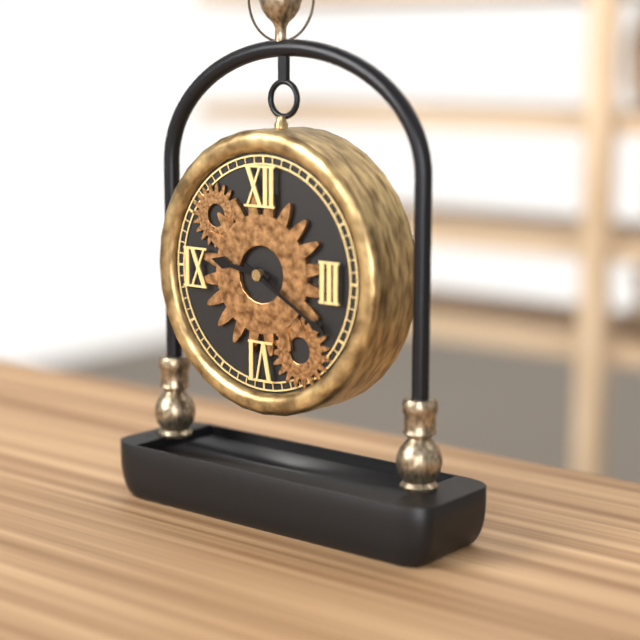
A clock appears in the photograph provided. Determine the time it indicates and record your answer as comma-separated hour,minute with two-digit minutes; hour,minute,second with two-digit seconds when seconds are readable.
9,20
